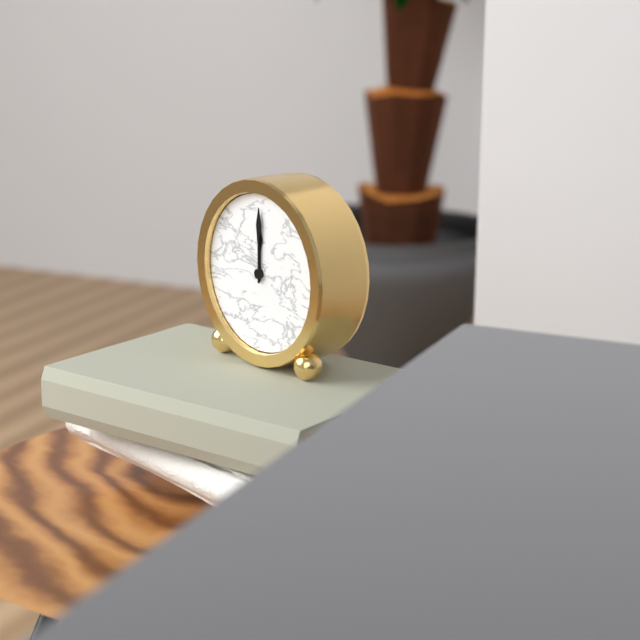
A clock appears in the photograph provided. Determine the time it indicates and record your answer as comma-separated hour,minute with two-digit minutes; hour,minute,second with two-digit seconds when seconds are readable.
12,00
